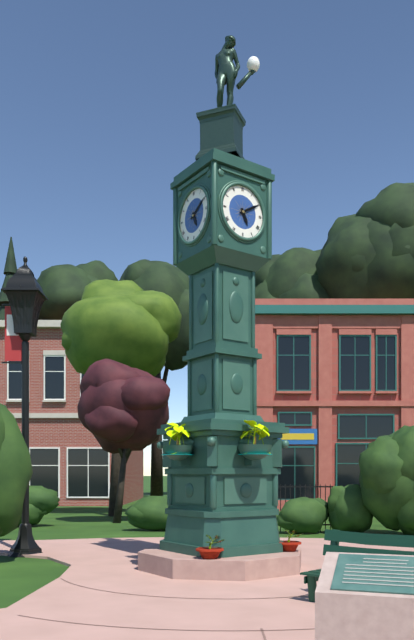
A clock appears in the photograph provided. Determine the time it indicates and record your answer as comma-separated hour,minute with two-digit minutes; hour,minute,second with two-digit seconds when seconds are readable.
5,10
